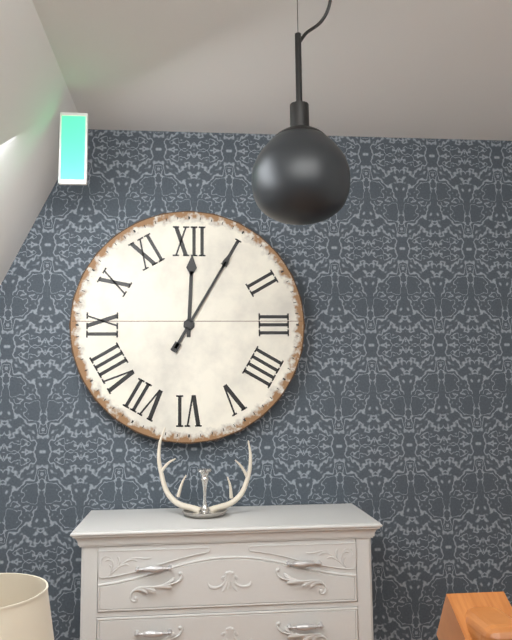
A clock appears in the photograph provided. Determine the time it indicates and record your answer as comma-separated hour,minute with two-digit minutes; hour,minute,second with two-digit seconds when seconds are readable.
12,05
